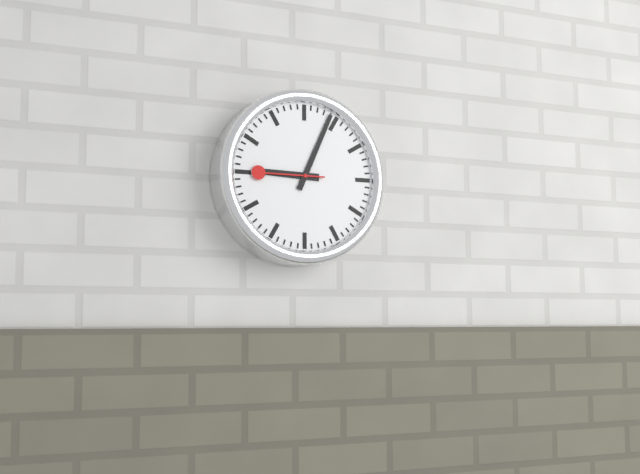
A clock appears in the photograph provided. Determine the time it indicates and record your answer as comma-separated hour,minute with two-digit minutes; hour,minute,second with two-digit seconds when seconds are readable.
9,04,45
